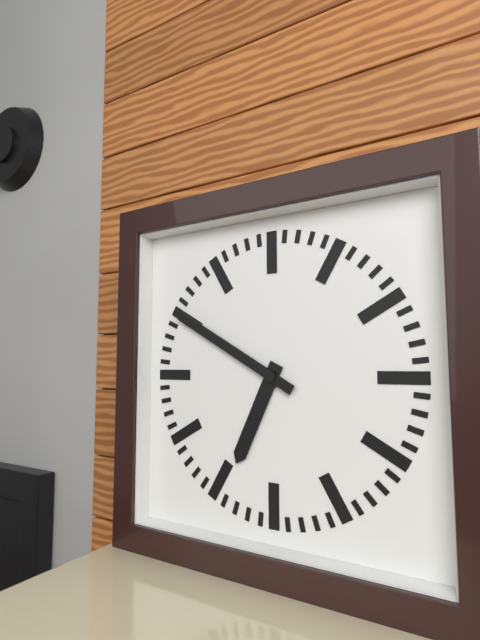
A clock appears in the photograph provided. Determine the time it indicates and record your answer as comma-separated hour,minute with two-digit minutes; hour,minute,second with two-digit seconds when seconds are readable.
6,50
